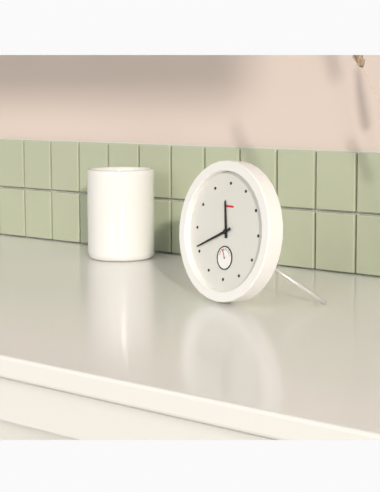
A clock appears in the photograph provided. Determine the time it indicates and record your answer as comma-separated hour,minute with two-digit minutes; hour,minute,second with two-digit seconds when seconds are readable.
11,41
